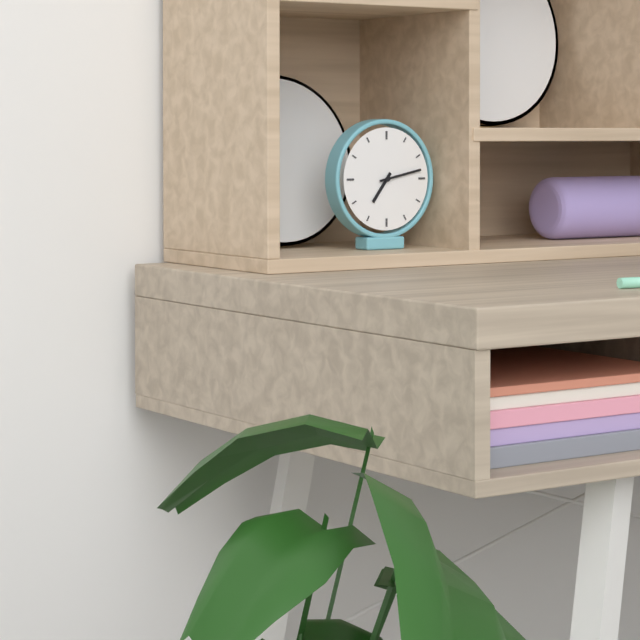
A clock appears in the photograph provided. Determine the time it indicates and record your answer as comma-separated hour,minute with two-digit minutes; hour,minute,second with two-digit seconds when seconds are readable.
7,13
